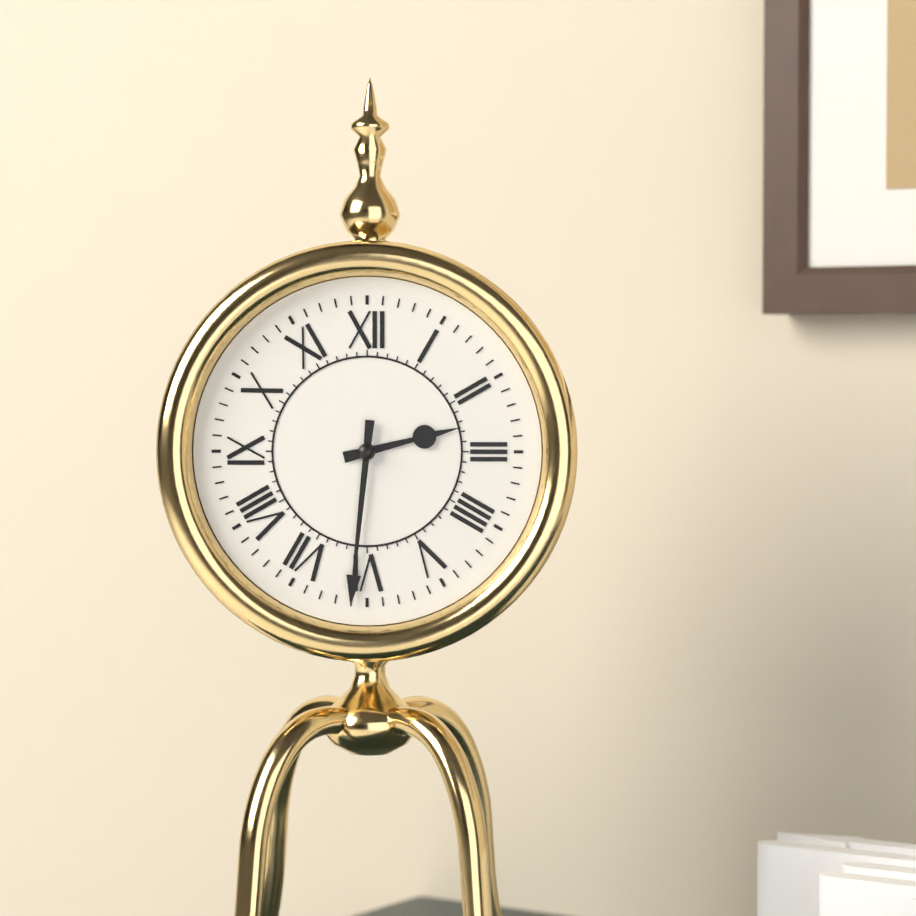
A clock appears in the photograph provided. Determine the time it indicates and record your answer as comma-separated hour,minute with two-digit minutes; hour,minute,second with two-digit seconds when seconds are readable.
2,31
